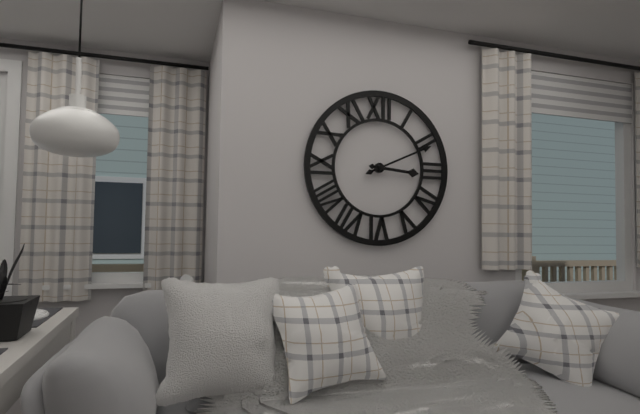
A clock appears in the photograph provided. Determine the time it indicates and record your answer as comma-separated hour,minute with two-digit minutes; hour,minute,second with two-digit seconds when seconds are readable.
3,11
